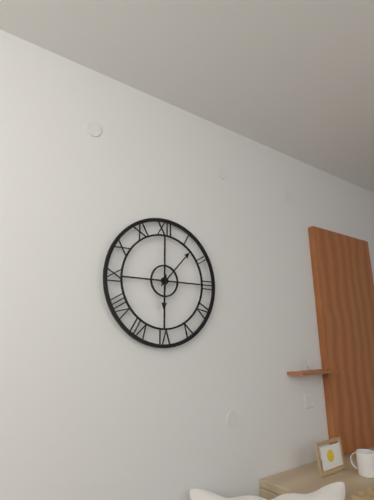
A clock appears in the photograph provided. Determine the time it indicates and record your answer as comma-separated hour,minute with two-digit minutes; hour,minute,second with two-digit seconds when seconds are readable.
6,07
